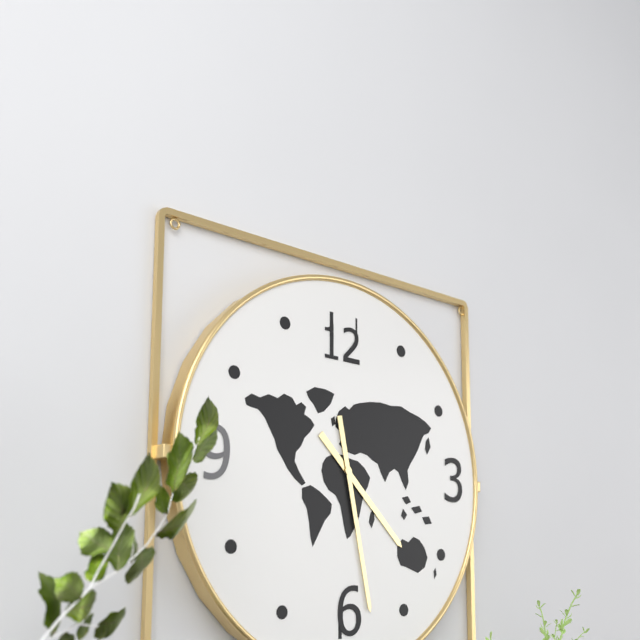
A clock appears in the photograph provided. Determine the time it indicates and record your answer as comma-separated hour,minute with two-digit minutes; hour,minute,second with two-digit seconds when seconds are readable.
4,28
